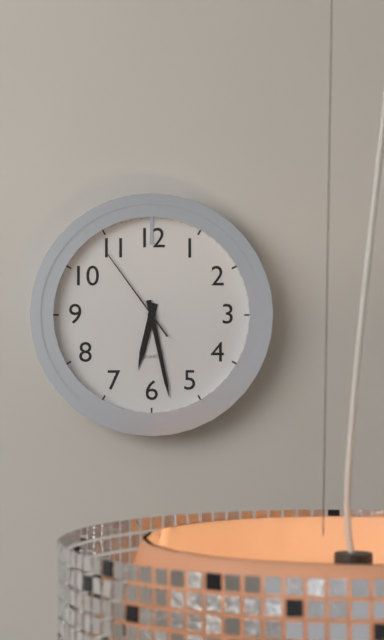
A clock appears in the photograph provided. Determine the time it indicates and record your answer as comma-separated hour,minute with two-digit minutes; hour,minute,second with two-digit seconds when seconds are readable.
6,28,54
